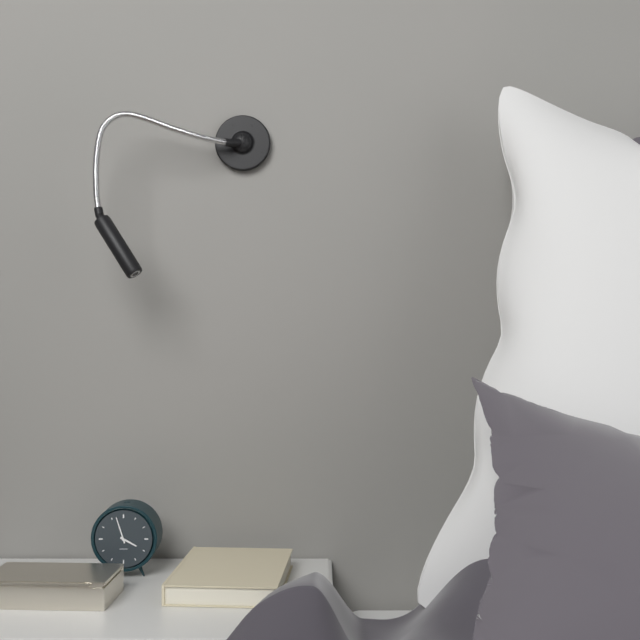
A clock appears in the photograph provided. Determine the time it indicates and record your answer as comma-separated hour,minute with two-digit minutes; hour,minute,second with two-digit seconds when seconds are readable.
3,57
